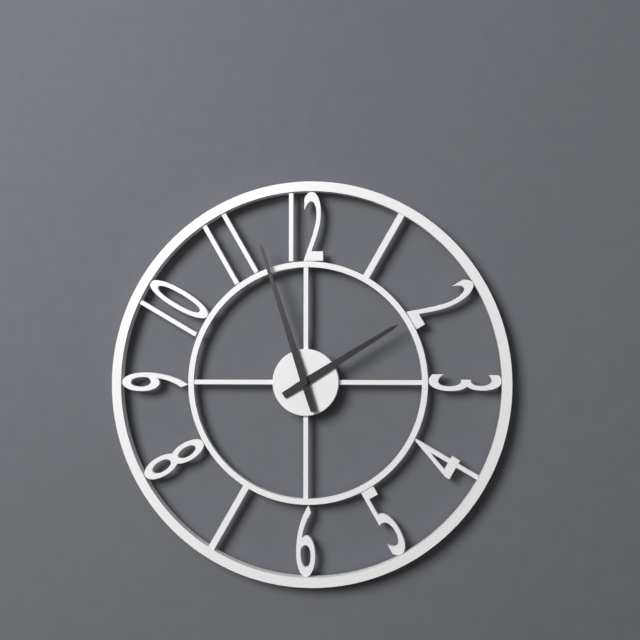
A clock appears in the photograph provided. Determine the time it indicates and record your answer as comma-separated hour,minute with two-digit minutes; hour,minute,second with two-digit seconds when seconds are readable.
1,57
